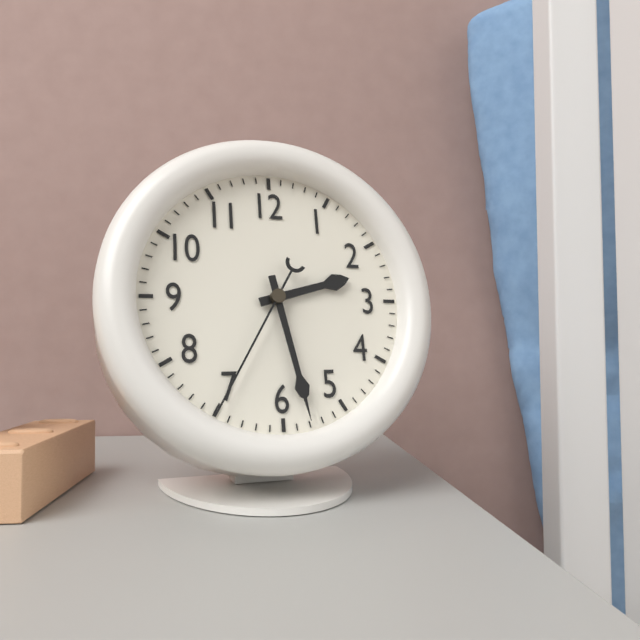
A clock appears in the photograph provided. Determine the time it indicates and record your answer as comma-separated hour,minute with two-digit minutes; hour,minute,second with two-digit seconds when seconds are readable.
2,28,35
